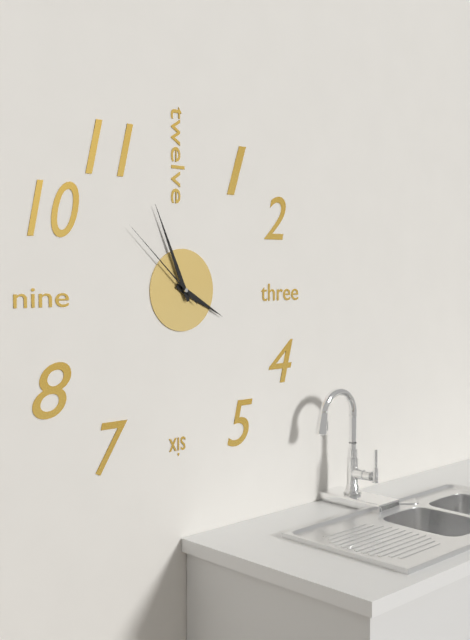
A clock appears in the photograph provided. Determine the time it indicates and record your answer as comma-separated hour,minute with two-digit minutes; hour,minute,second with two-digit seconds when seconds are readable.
3,56,52
